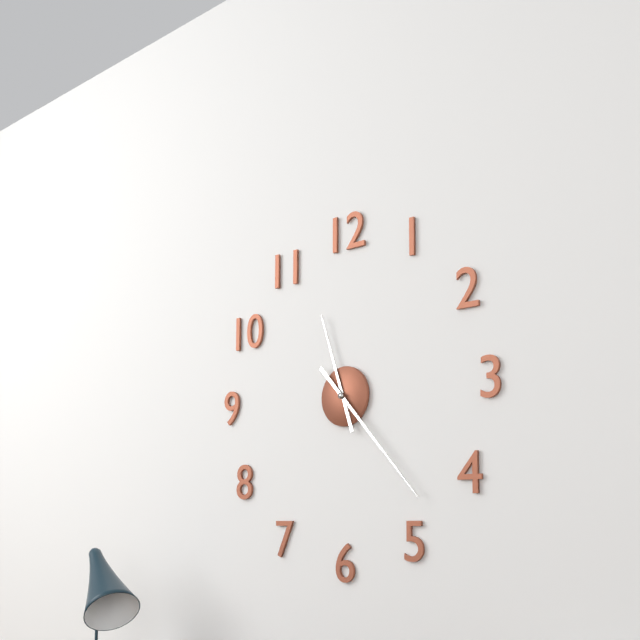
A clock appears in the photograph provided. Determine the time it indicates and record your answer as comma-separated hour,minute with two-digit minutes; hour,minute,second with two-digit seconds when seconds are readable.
11,23
